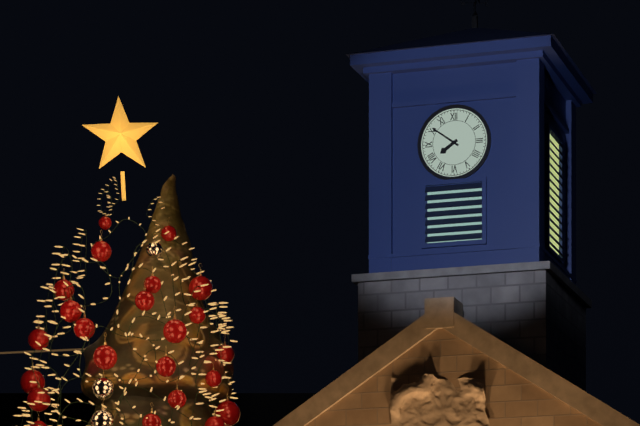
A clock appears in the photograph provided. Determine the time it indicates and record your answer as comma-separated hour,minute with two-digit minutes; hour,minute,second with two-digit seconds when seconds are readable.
7,51
